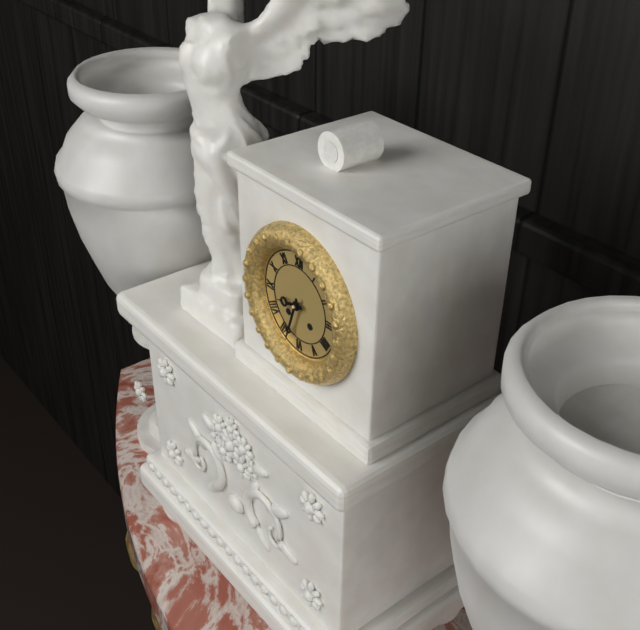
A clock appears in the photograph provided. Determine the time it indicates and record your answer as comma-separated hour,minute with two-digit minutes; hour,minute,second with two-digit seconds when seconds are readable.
8,33
